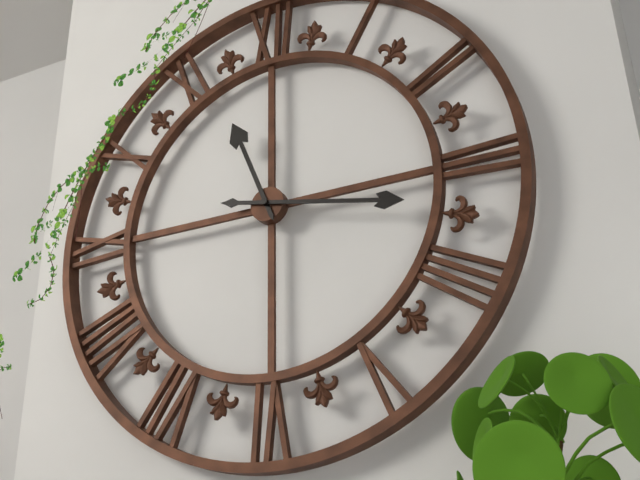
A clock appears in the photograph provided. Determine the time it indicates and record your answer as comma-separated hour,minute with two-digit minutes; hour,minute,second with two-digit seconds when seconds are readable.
11,17
